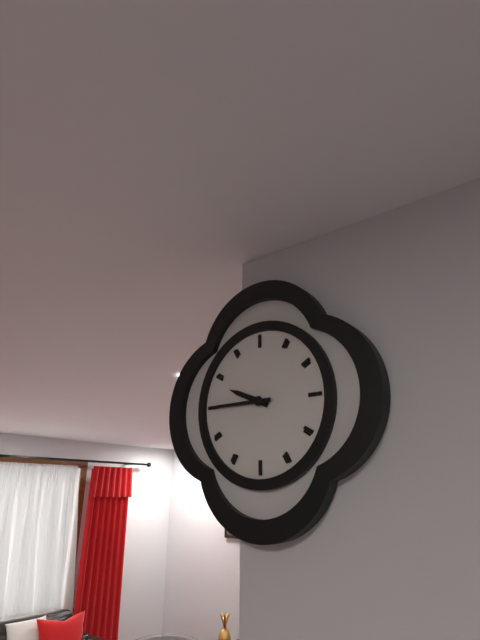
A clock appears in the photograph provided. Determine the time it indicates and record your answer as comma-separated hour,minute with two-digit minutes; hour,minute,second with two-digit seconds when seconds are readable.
9,45
